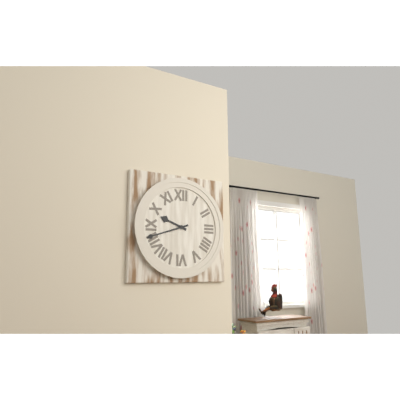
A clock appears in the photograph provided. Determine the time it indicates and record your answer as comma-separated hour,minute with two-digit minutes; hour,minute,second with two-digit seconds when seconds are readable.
9,42
